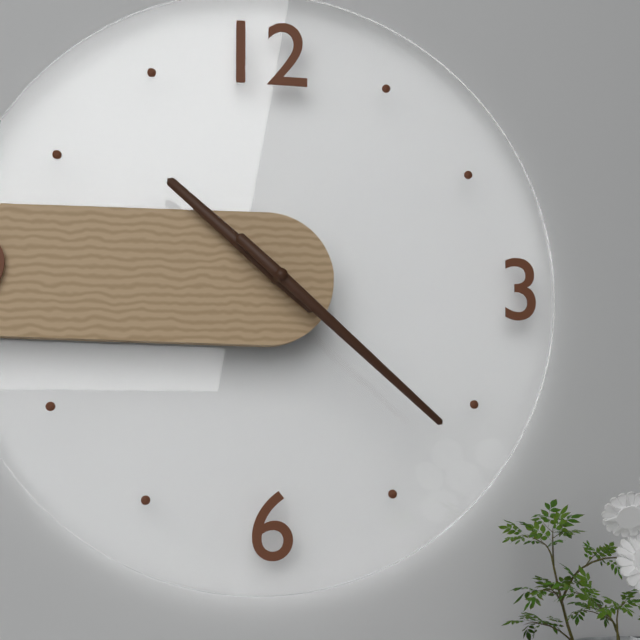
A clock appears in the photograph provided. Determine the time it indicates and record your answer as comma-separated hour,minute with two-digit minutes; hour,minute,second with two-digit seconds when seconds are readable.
10,22
